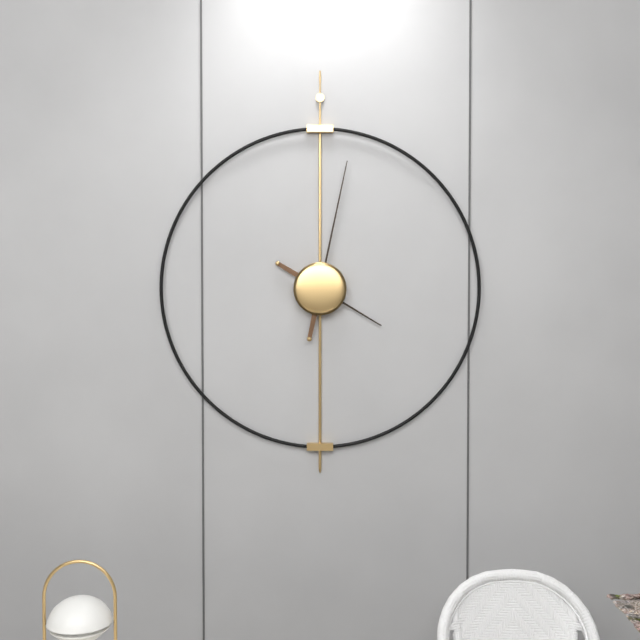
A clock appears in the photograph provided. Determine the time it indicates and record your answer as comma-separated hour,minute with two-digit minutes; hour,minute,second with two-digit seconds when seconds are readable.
4,02
